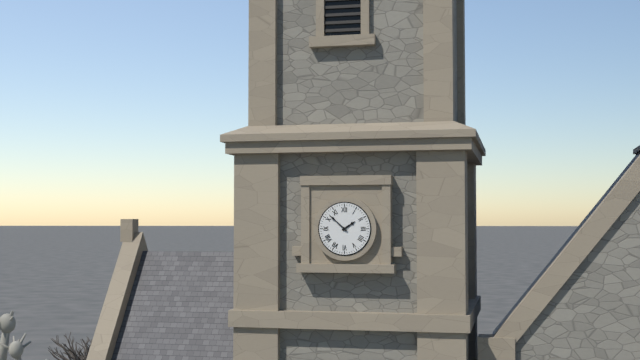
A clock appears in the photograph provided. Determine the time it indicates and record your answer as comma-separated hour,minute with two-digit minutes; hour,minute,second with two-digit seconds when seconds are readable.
1,52
